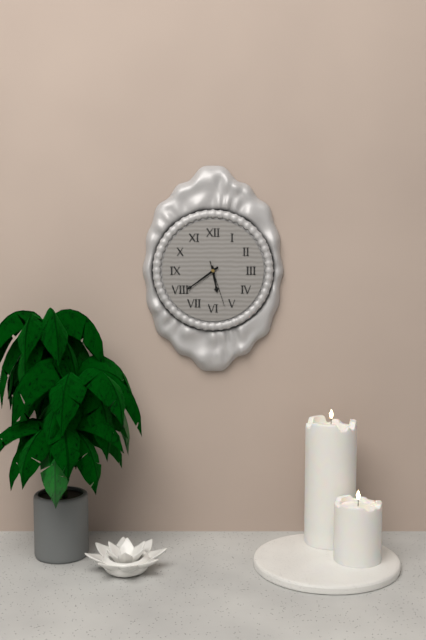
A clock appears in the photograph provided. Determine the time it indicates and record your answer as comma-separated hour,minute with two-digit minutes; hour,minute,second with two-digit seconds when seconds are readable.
5,39
